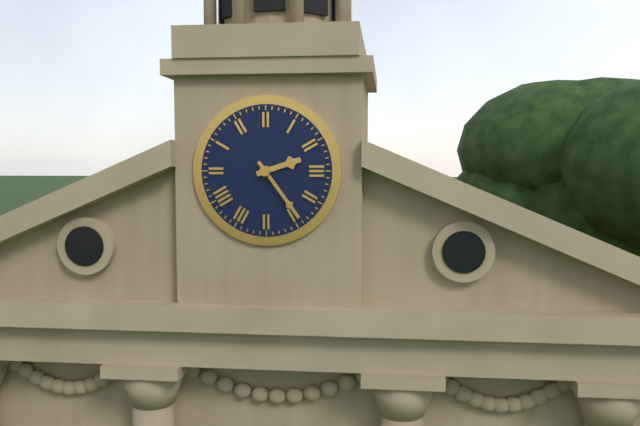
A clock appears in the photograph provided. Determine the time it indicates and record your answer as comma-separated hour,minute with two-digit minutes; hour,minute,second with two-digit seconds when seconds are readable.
2,24
